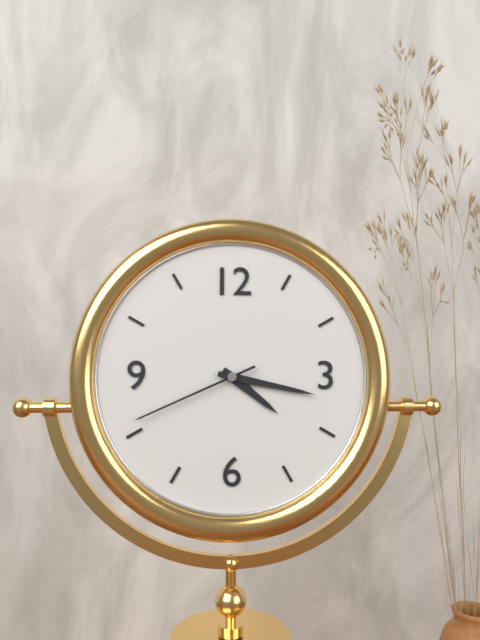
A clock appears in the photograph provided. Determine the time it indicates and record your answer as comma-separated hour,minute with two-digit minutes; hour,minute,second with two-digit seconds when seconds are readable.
4,17,41
